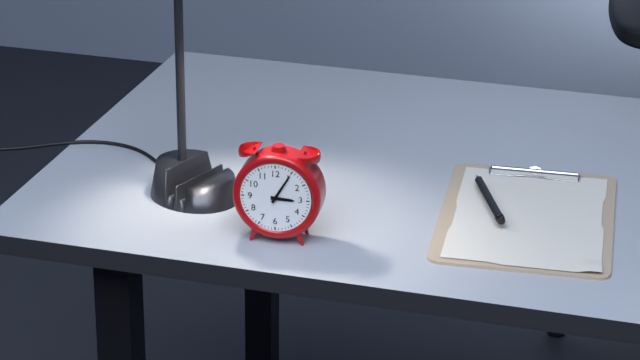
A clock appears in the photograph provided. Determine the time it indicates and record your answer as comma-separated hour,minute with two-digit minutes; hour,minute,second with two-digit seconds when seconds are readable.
3,05
